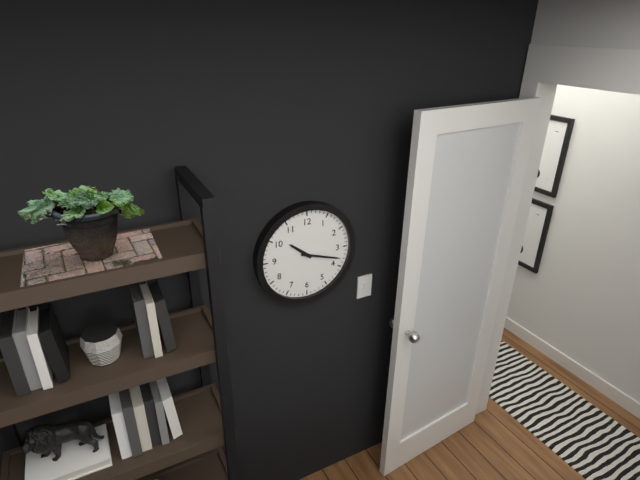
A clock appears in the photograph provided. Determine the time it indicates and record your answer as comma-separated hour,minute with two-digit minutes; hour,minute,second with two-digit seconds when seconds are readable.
10,18
